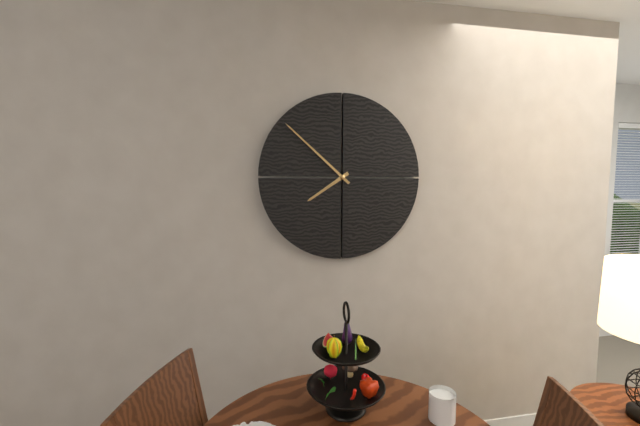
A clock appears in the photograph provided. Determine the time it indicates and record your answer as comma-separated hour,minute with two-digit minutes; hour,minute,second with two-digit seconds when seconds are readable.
7,52
